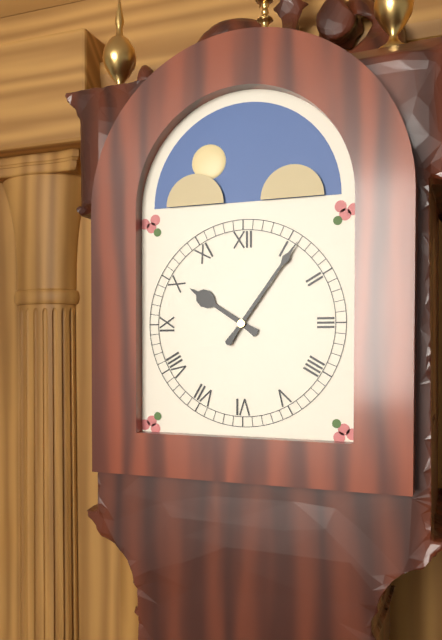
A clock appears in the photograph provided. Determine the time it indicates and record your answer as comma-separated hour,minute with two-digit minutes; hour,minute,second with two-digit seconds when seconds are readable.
10,06
